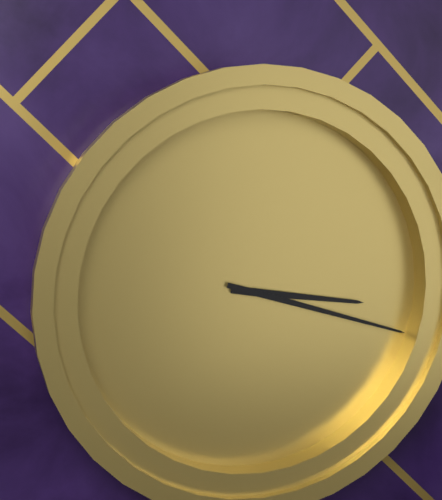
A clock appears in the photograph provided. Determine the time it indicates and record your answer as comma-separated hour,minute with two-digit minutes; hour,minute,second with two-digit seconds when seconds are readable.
3,18
